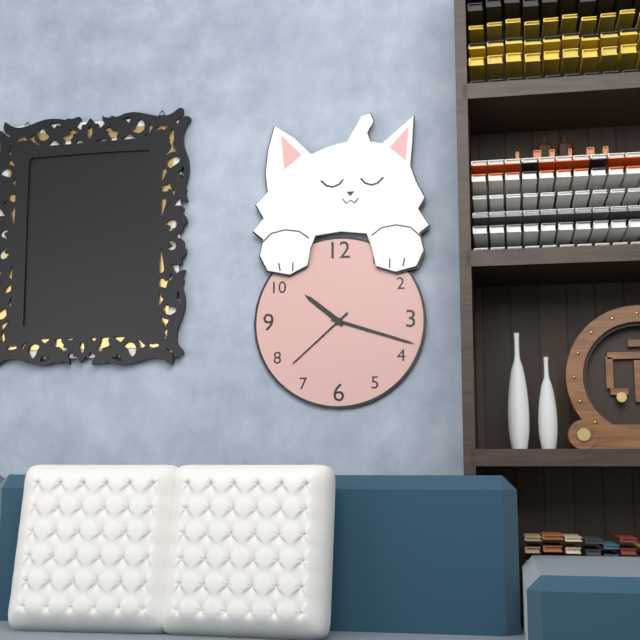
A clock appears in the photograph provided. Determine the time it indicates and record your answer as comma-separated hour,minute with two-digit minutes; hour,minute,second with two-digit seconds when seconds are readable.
10,18,38
